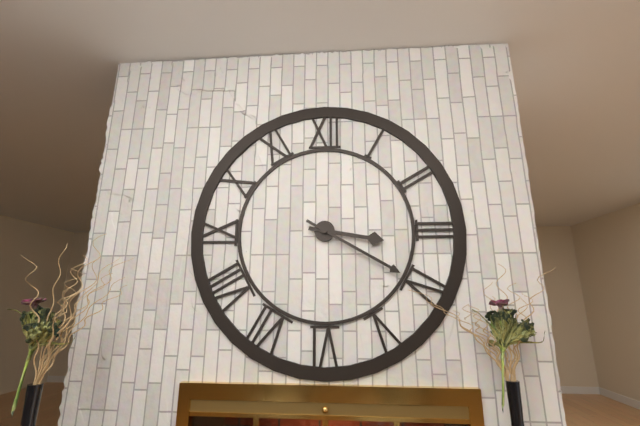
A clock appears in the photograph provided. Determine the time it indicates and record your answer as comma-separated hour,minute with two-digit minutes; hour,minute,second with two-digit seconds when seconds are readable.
3,20
